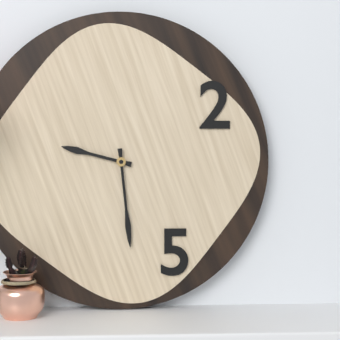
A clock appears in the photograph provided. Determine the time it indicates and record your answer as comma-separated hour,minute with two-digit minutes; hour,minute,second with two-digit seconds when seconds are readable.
9,29
